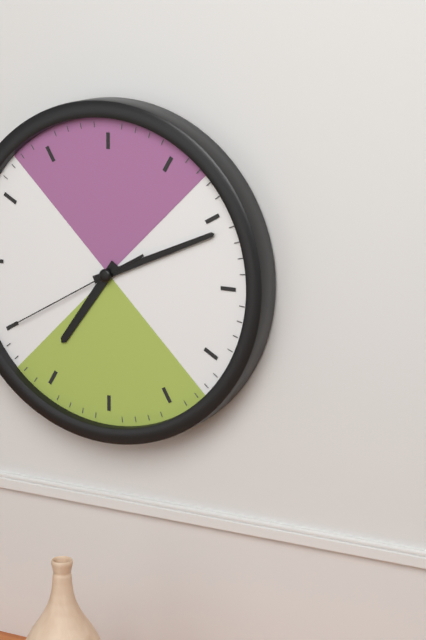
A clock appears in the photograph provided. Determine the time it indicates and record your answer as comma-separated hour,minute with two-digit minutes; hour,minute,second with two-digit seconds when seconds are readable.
7,11,40
